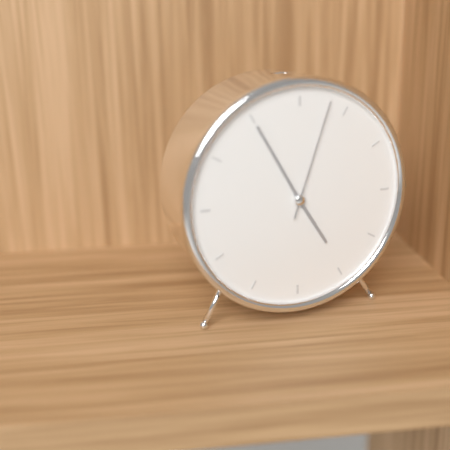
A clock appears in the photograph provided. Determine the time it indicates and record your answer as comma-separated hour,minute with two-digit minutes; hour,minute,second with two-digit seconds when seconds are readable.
4,55,03
